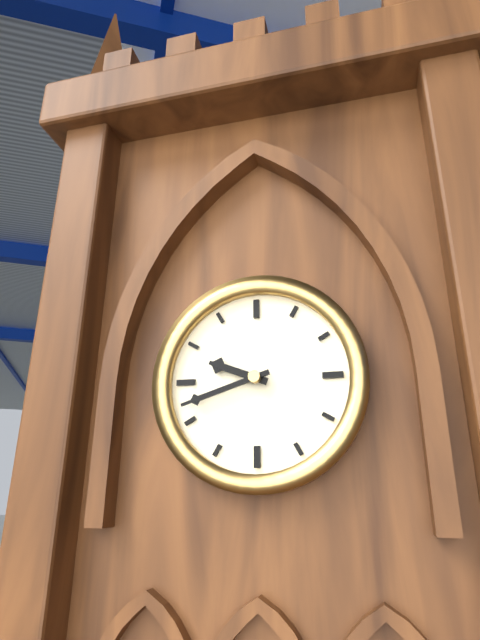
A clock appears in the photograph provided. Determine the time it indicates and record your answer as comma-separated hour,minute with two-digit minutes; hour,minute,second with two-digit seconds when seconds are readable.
9,42
